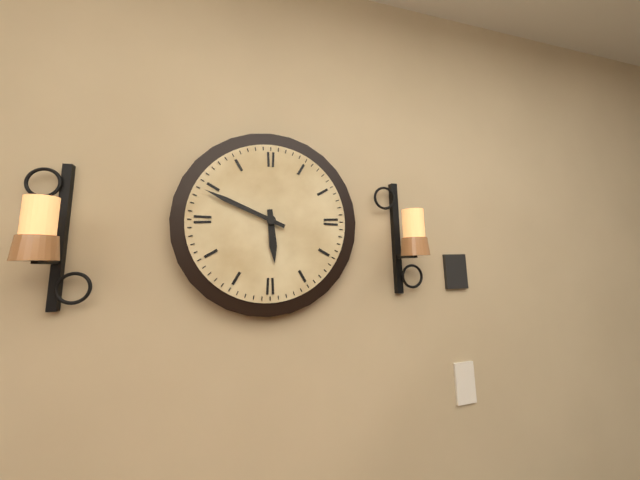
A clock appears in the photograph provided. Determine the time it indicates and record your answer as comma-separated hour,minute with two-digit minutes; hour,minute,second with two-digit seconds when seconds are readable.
5,49
